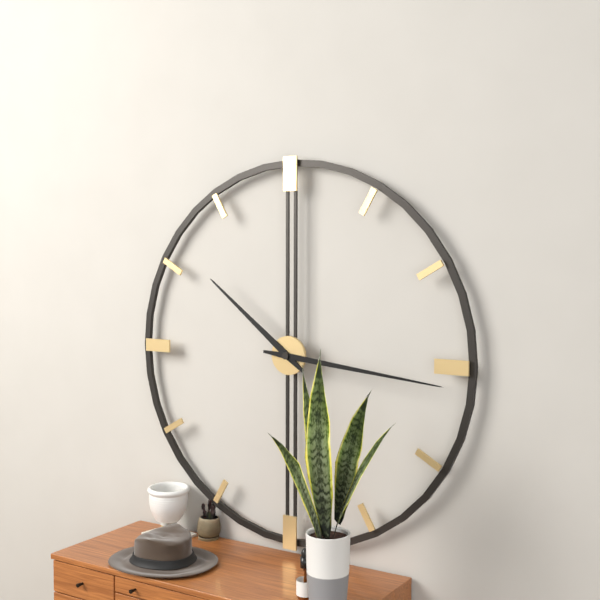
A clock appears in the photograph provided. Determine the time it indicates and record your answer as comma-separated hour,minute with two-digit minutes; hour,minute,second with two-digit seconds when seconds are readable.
10,16
